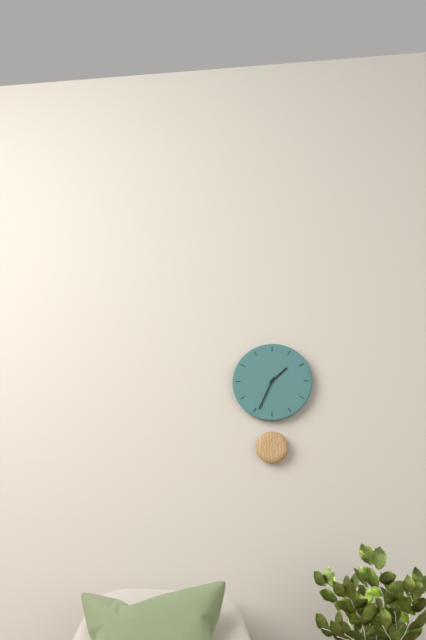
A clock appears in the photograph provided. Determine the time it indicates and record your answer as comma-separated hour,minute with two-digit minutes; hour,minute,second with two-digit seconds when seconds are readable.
1,34
